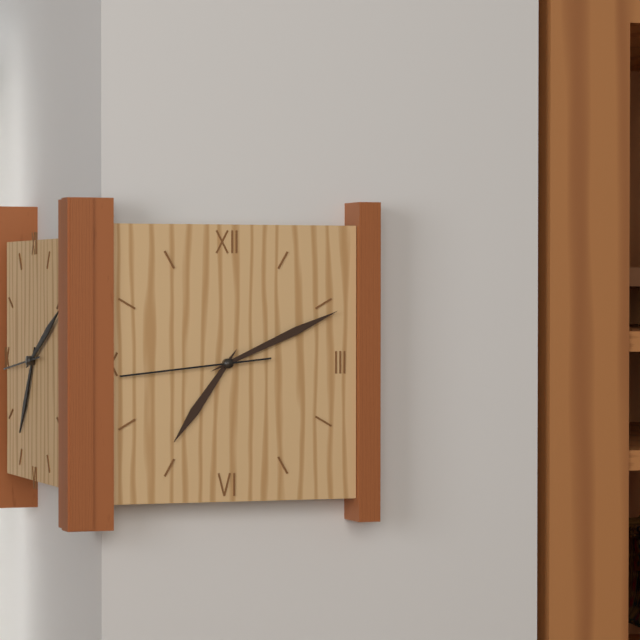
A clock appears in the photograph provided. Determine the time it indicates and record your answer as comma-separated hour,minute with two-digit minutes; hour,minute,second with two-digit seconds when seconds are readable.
7,11,44
